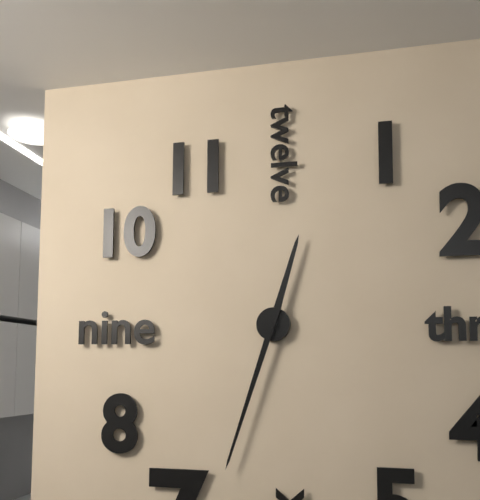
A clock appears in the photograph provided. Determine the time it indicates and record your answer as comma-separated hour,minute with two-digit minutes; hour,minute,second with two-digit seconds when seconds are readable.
12,33
